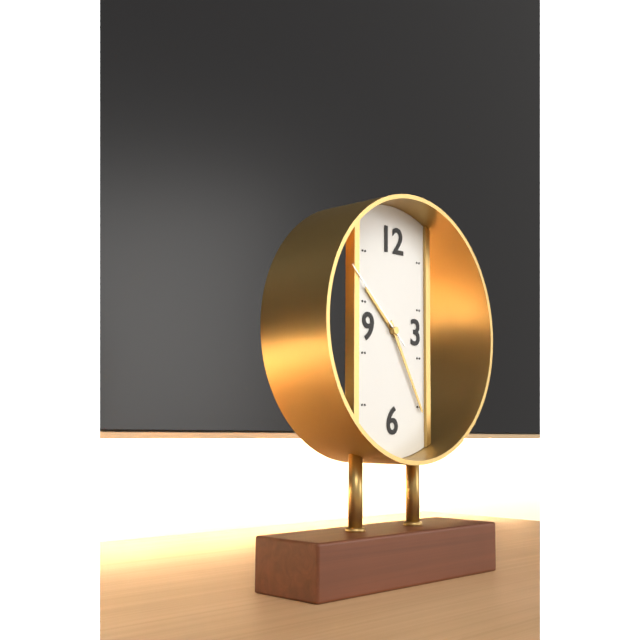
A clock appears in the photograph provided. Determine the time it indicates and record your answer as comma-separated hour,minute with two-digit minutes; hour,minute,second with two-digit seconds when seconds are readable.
10,25,52
